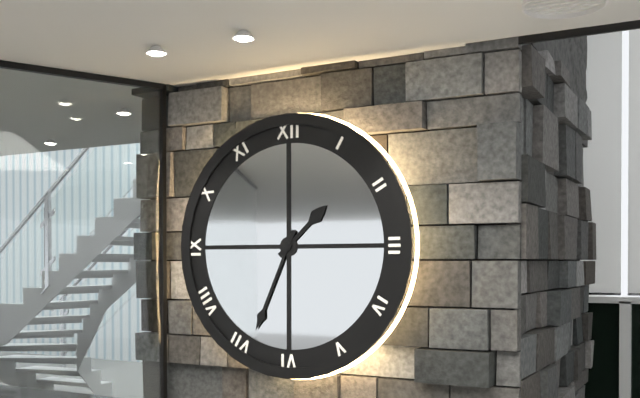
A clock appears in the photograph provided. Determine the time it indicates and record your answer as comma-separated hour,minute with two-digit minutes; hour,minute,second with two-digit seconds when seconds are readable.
1,34
